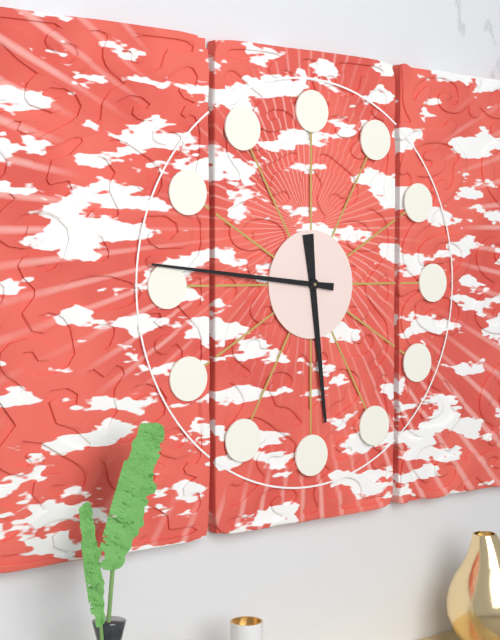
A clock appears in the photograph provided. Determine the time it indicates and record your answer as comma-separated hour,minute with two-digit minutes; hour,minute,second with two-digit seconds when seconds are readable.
5,46
